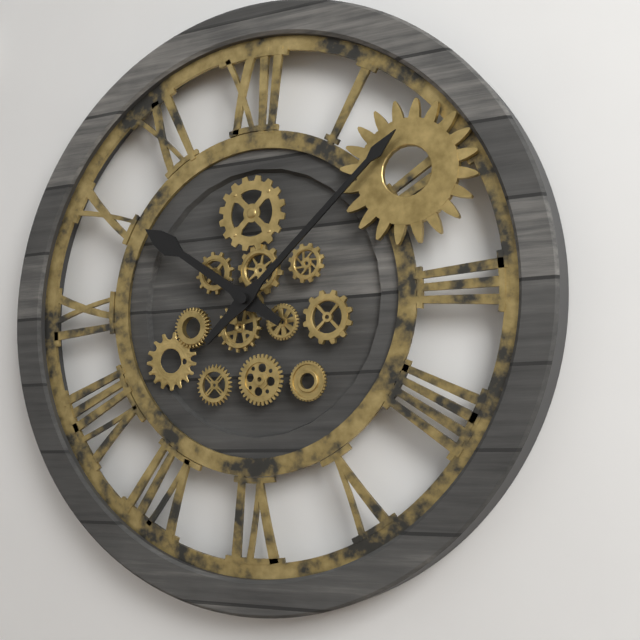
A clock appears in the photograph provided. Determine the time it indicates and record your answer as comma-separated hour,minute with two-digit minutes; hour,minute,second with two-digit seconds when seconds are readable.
10,08
